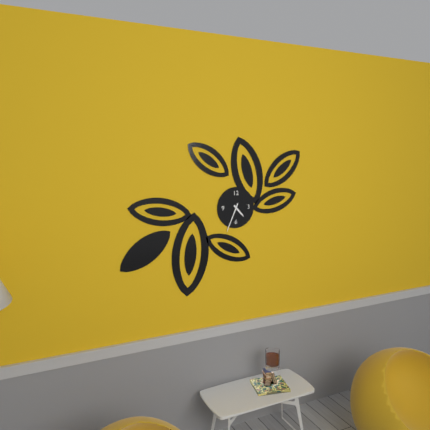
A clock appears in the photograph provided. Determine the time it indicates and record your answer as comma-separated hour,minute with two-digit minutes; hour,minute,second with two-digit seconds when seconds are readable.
4,34
